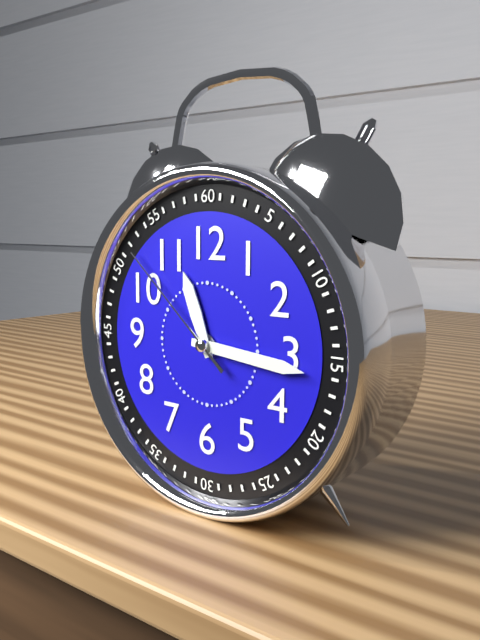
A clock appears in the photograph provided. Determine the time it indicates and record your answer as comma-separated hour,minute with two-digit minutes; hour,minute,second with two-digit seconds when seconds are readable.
11,16,52
